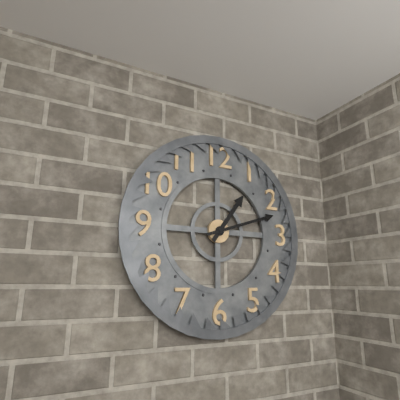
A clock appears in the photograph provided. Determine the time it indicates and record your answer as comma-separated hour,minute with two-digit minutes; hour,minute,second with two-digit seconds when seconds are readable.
1,12
